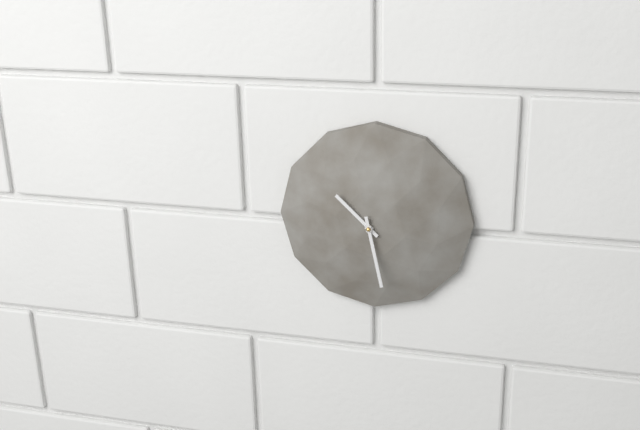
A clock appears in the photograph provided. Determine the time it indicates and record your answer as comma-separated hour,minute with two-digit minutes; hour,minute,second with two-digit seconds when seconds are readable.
10,28
